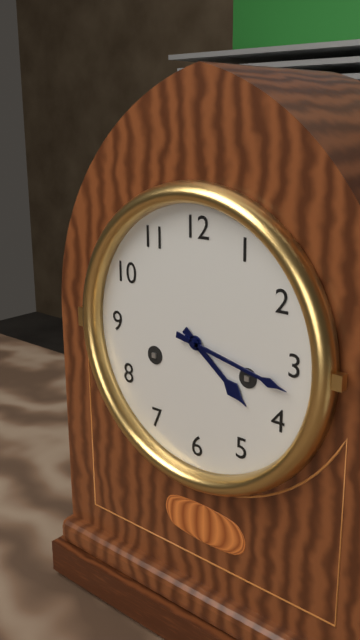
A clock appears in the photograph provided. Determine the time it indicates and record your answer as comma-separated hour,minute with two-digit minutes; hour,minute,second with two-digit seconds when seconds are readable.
4,17
